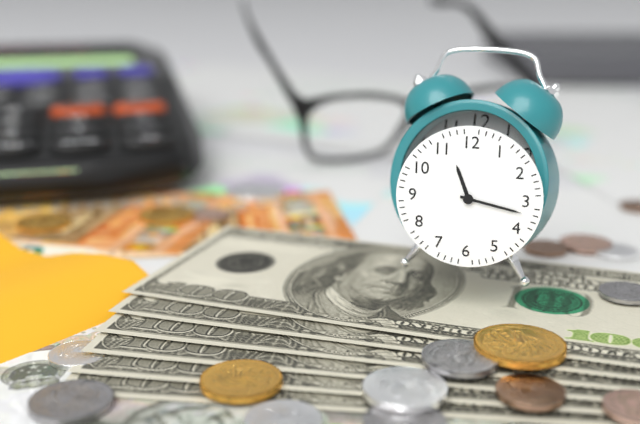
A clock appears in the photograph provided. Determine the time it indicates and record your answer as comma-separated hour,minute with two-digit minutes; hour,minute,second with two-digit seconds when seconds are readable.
11,17
